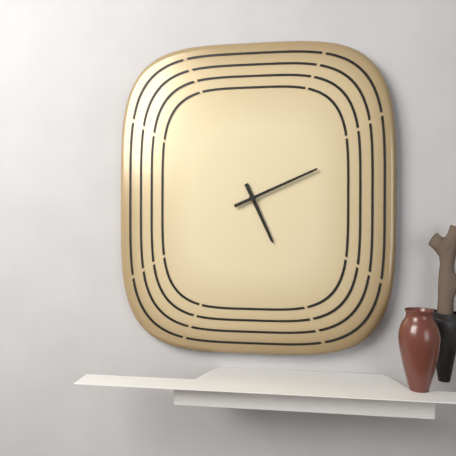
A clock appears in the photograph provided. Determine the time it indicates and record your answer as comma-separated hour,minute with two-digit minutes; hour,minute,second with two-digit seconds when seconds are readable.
5,11
